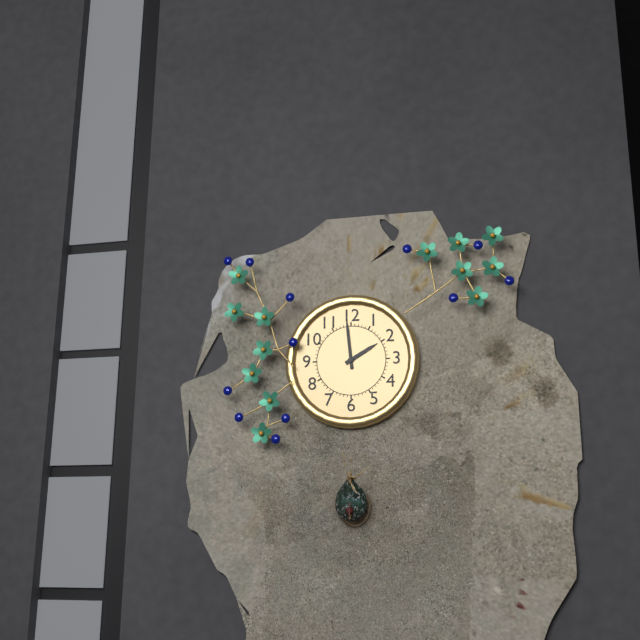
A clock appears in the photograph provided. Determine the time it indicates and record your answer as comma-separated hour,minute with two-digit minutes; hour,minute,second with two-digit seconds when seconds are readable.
1,59
